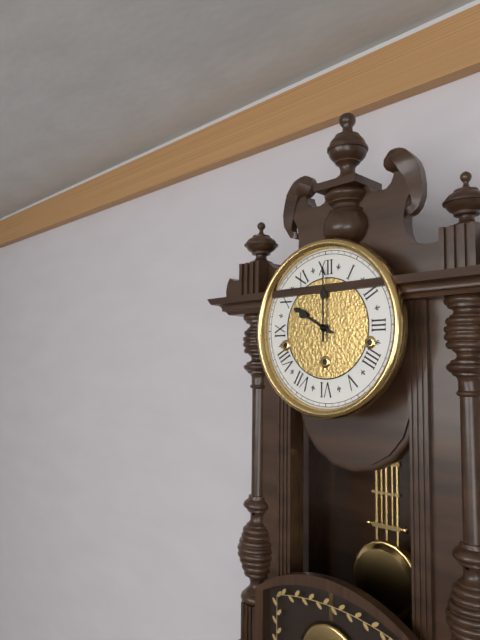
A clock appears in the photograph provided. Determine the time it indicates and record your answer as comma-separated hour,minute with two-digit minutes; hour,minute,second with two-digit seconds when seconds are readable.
10,00
